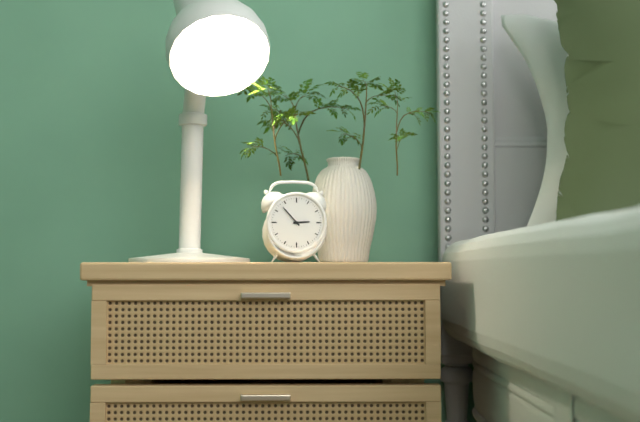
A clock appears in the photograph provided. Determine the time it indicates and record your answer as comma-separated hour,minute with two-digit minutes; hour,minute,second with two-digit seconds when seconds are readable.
2,53
